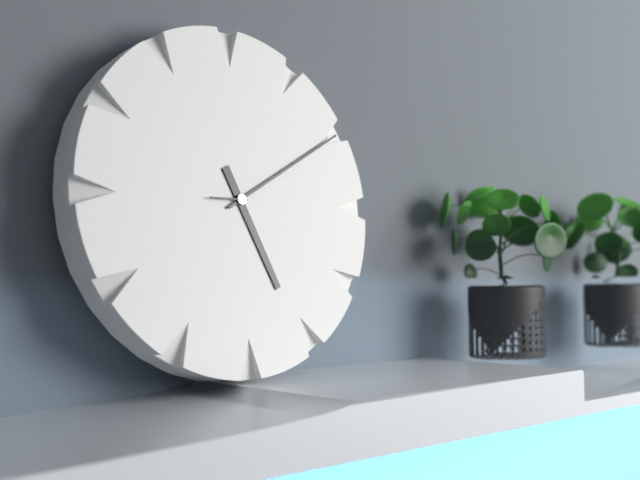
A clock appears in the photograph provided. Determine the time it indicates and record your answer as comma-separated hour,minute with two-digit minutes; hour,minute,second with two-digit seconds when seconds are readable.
5,10
